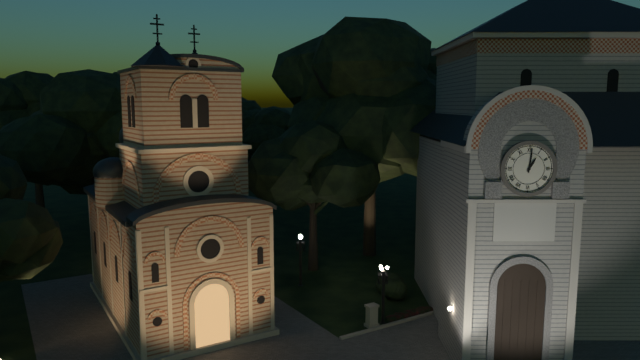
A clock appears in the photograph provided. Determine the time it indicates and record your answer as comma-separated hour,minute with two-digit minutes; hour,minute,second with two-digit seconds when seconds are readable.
1,01
